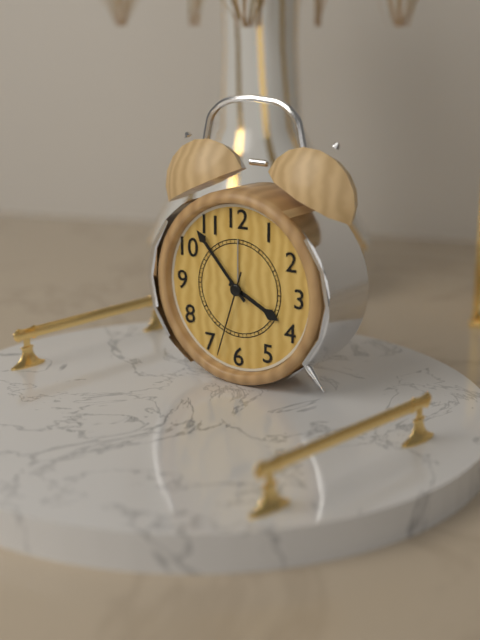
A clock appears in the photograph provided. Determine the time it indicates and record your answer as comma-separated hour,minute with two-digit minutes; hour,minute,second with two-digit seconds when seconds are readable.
3,53,33
